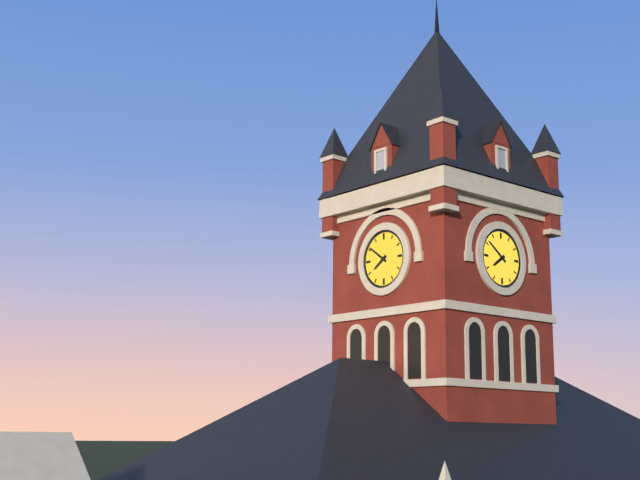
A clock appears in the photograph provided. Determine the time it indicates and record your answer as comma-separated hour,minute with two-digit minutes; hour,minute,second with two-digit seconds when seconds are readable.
7,51
